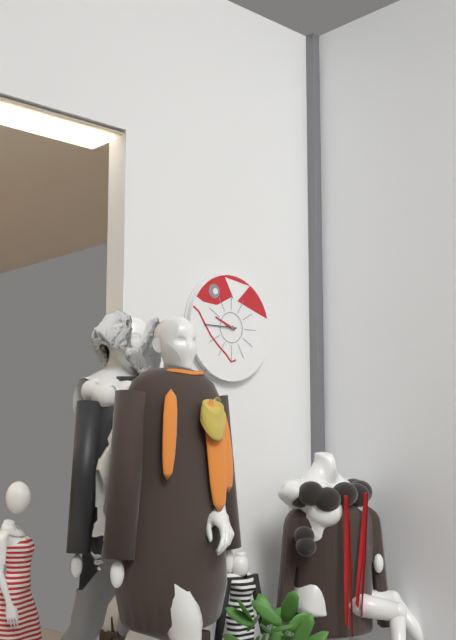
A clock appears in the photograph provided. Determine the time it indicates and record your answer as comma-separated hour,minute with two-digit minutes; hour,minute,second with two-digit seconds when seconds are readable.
9,45
